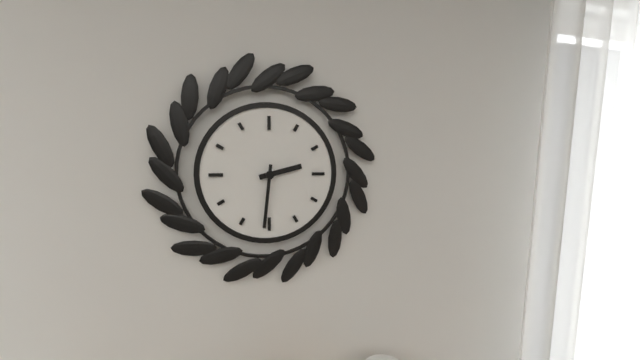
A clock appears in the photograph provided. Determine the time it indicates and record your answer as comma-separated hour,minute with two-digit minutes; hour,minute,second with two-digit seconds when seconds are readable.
2,31
